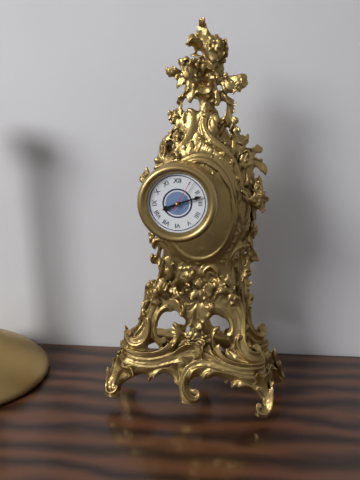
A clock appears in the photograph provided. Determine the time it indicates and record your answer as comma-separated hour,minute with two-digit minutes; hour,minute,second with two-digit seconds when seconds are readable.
8,12
